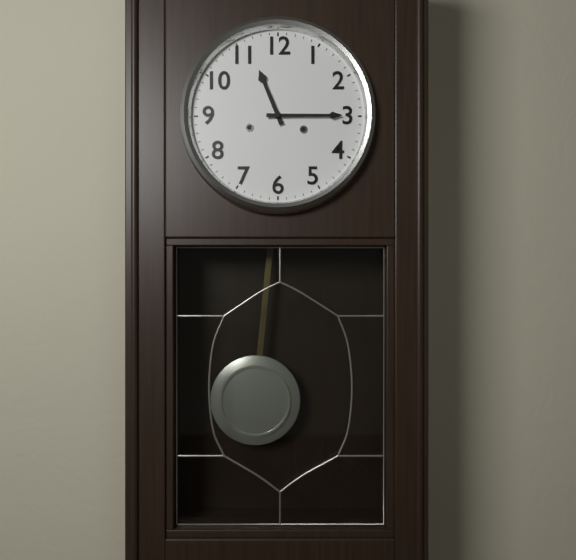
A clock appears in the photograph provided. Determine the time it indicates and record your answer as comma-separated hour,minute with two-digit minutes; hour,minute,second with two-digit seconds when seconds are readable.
11,15
